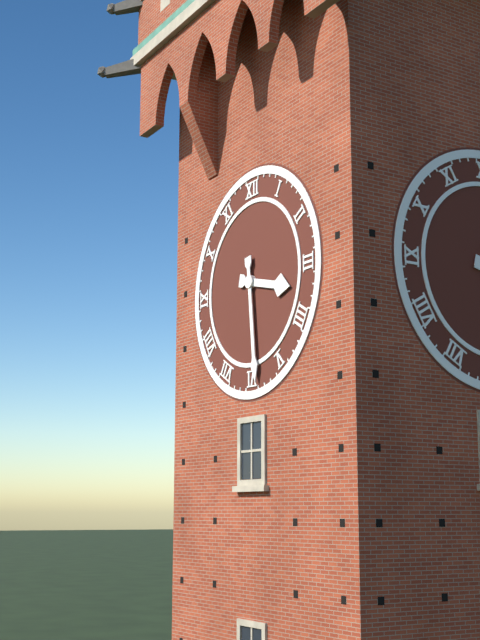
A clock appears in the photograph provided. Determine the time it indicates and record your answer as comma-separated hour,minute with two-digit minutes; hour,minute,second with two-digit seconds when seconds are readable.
3,29
